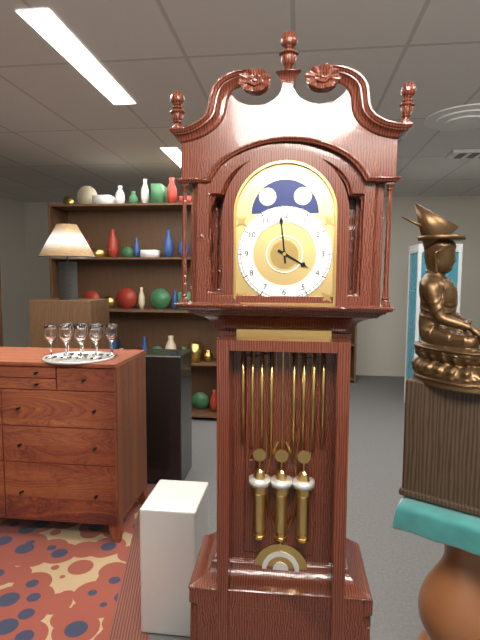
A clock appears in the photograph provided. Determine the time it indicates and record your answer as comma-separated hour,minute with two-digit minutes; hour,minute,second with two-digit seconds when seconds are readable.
3,59
